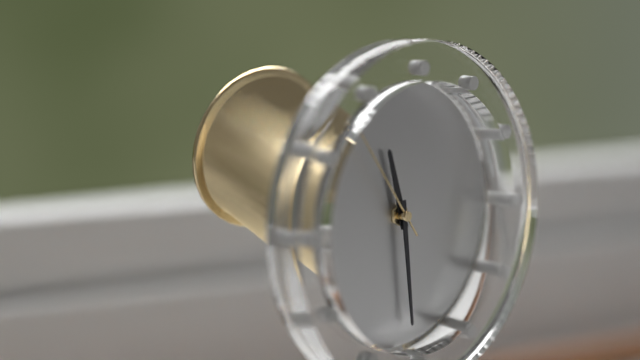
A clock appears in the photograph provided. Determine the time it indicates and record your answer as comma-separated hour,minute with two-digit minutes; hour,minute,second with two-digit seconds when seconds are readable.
11,29,54
